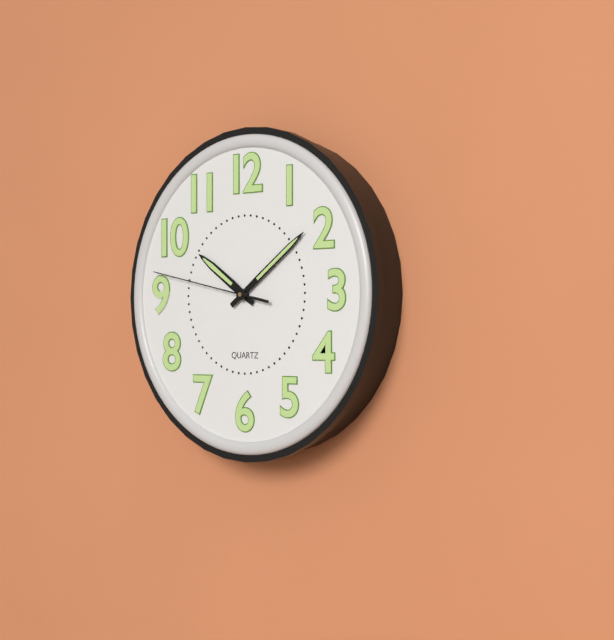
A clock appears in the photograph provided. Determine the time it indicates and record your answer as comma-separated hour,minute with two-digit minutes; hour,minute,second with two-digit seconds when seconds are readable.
10,09,47
